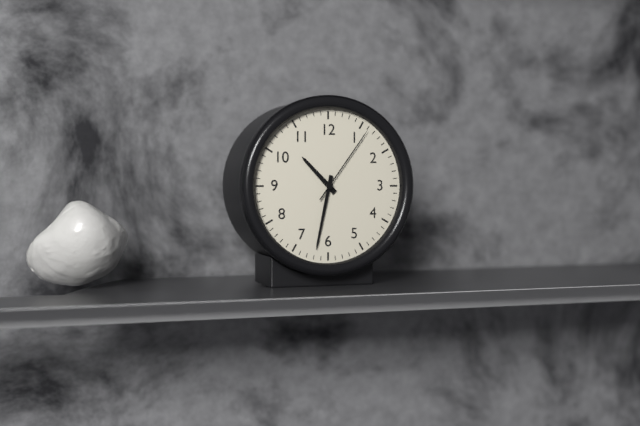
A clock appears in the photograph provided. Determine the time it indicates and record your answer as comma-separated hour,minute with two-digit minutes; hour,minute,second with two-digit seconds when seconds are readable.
10,32,06
